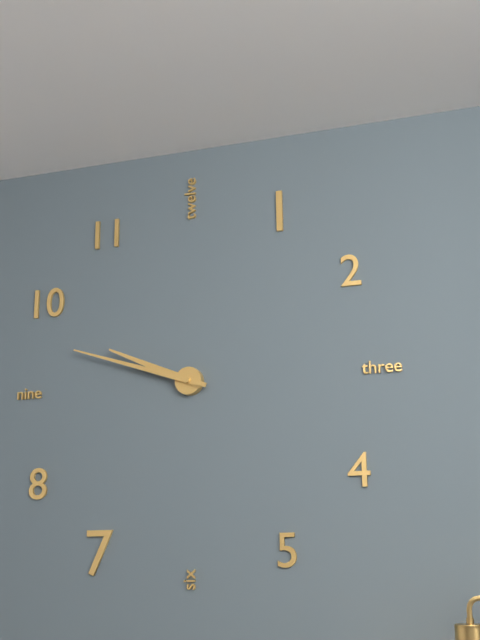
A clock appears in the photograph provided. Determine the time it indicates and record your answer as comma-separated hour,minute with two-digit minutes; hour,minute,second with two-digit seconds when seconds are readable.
9,48
